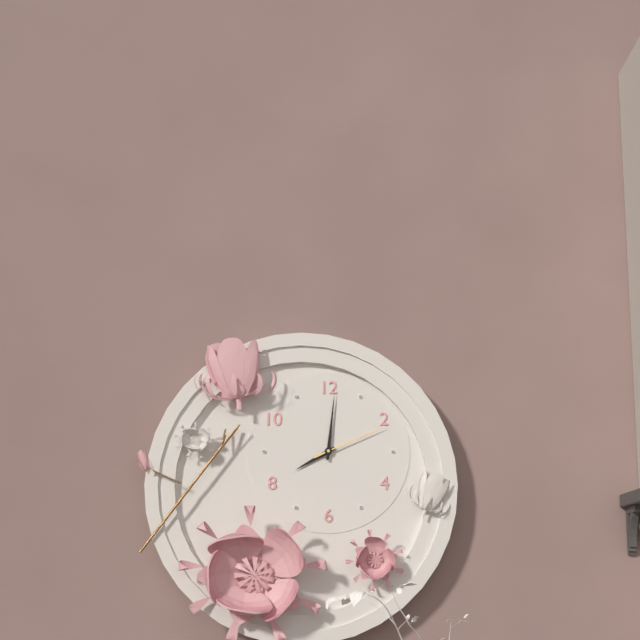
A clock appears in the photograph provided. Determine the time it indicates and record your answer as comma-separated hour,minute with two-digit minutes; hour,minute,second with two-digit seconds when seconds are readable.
8,01,11
